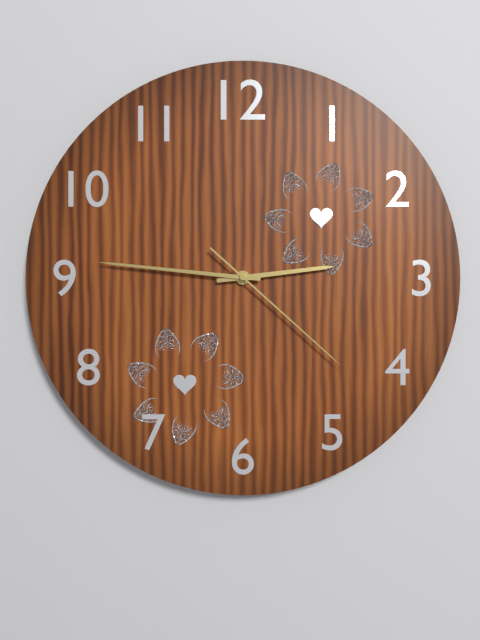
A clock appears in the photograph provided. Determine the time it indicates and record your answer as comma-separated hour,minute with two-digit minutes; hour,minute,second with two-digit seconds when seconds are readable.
2,46,22
